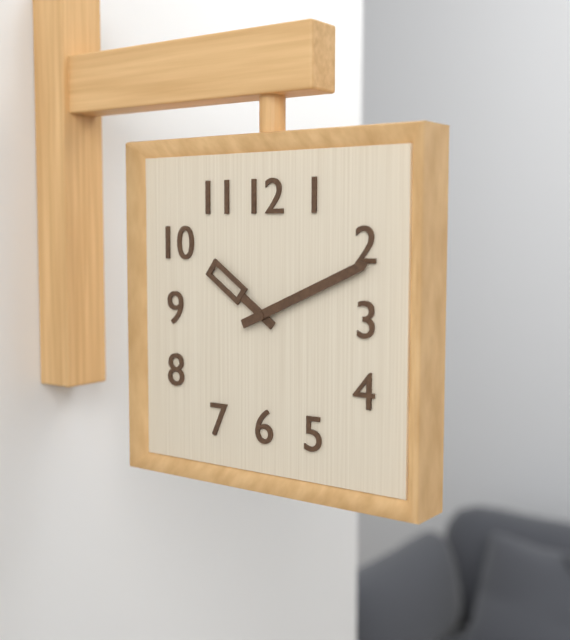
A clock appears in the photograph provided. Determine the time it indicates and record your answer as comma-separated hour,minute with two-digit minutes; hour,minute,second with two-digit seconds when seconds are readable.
10,11
